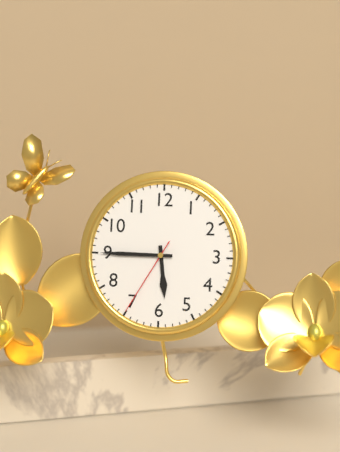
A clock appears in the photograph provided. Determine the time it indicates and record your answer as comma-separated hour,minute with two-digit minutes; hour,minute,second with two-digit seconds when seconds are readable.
5,45,35
